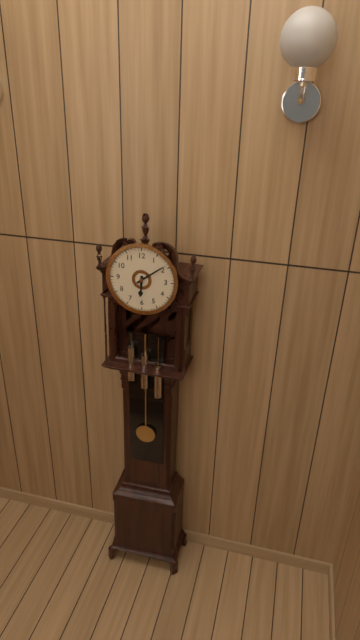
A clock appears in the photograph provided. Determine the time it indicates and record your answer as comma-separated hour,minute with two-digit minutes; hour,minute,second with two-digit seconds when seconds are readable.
6,09
